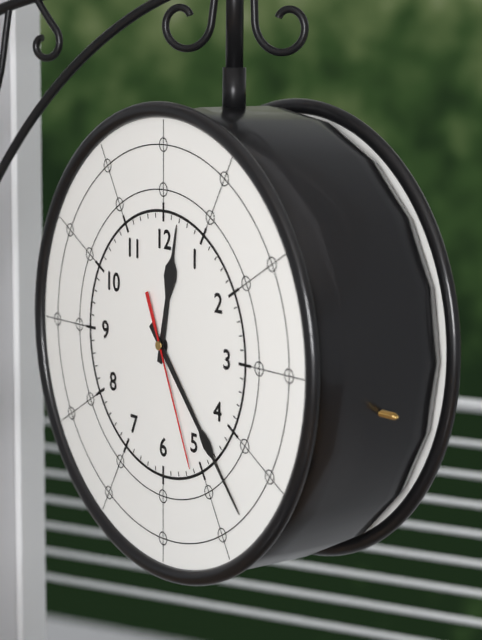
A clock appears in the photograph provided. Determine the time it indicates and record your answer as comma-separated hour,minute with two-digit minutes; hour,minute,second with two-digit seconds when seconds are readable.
12,23,26
